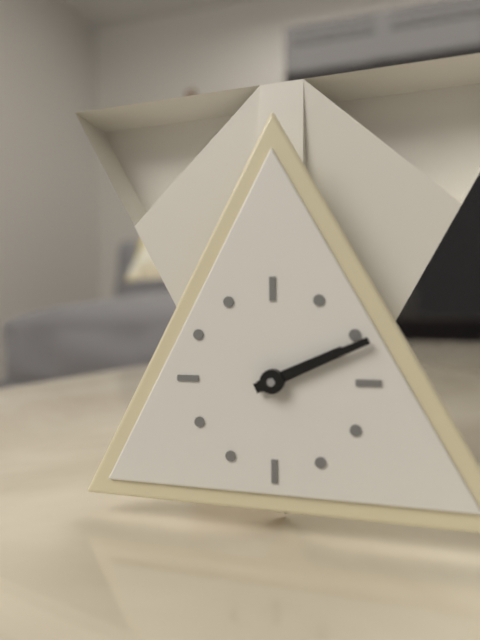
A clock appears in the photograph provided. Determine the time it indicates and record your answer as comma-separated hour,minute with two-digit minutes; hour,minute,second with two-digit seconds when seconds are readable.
2,11
